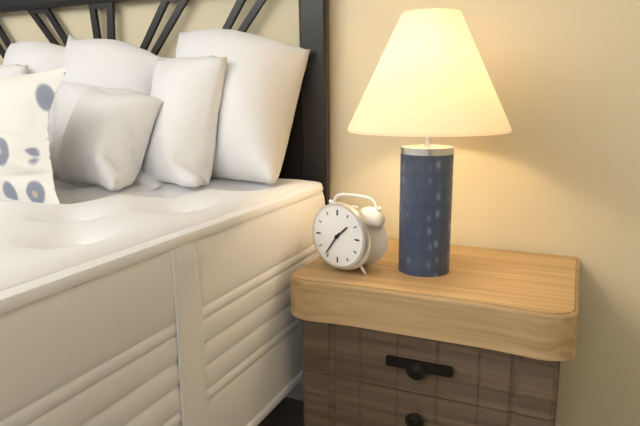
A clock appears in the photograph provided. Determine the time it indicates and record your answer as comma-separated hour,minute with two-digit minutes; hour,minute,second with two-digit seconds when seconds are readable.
1,36
